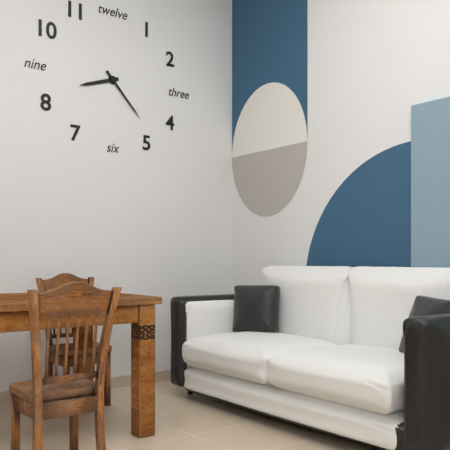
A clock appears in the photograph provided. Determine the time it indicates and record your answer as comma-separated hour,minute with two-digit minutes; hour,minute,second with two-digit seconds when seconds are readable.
8,23
